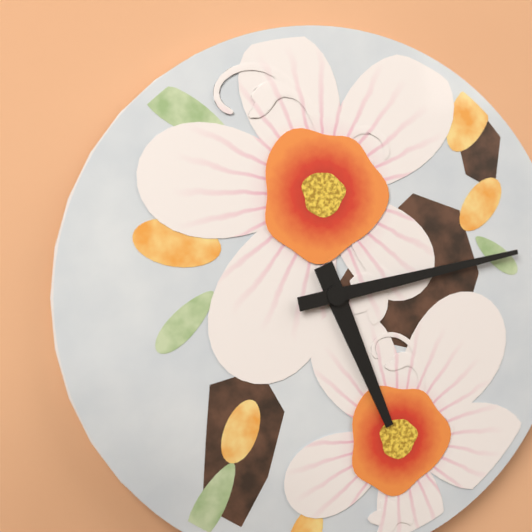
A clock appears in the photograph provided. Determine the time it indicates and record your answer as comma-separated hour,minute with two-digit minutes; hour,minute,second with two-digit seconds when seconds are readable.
5,13
